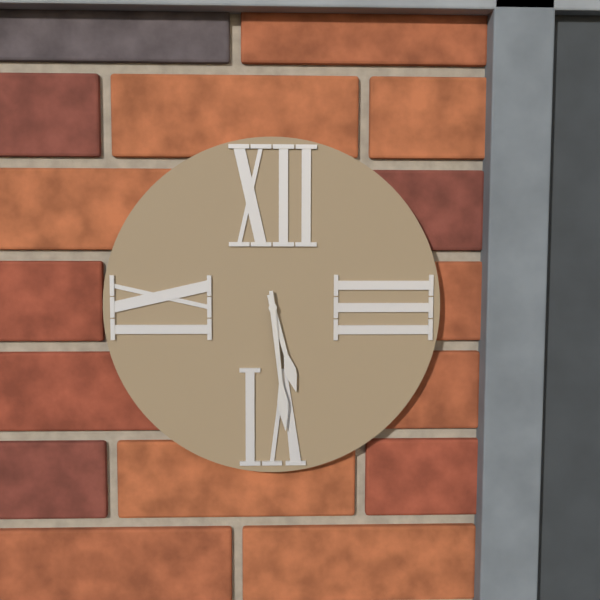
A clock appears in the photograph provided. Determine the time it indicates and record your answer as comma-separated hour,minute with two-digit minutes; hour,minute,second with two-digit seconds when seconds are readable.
5,29
